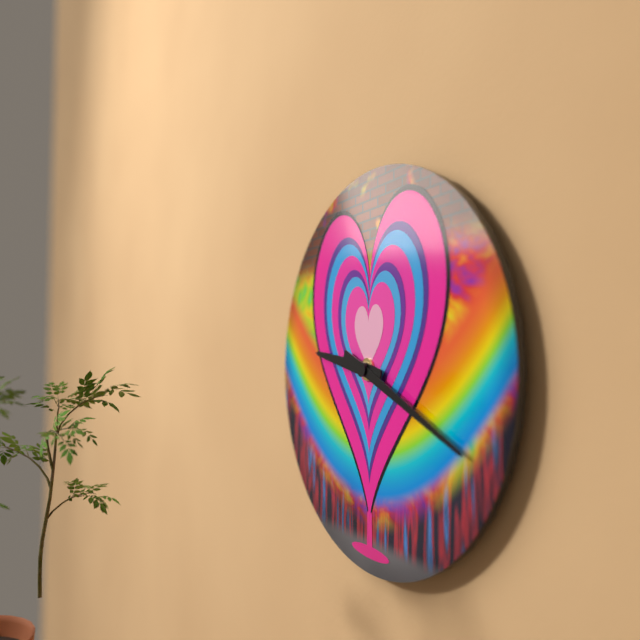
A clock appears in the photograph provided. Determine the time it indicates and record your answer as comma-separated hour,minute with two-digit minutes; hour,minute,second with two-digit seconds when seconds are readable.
9,19
